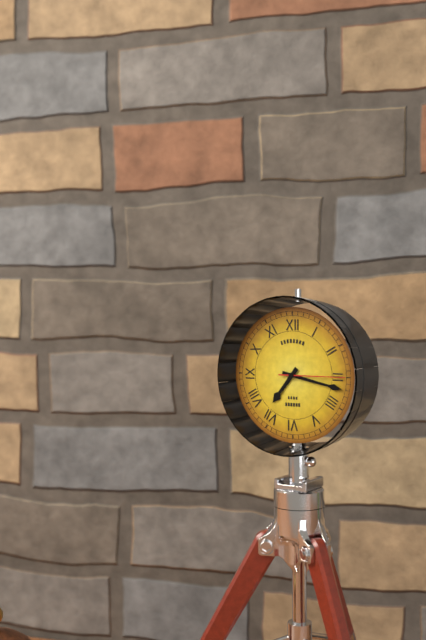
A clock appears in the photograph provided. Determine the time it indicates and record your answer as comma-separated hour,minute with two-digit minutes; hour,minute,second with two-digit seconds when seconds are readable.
7,17,15
